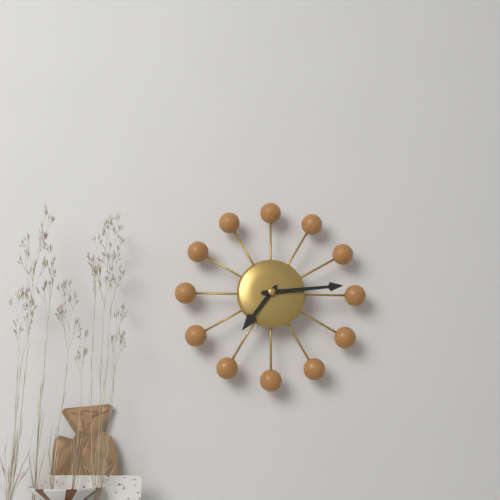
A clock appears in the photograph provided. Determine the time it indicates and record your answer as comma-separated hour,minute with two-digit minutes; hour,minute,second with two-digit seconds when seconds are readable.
7,14
